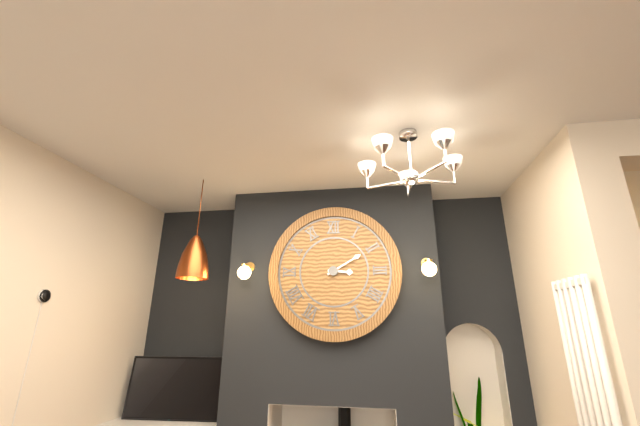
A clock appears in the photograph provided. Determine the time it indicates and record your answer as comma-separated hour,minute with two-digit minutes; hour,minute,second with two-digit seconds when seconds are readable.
3,10
